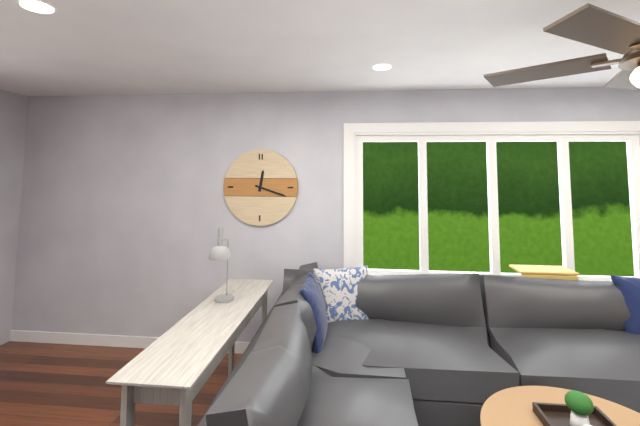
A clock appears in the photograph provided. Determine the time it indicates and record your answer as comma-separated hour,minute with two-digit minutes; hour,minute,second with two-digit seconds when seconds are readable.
12,18
